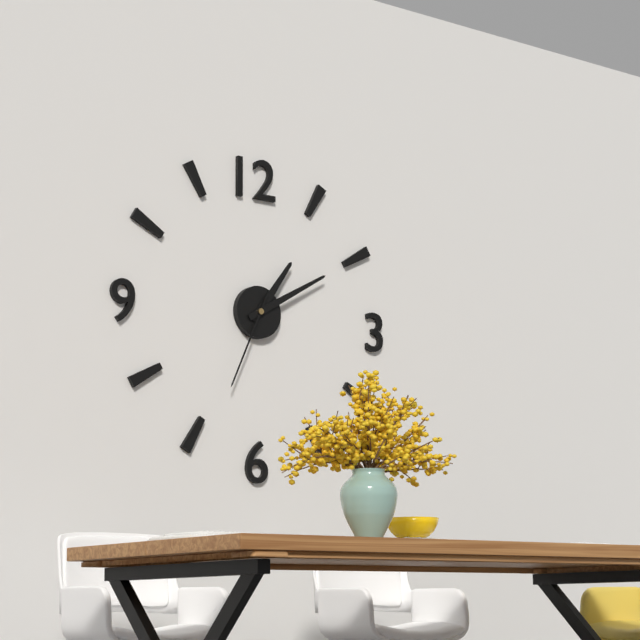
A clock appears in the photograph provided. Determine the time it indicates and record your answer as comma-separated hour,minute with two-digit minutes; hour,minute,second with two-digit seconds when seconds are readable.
1,10,34
